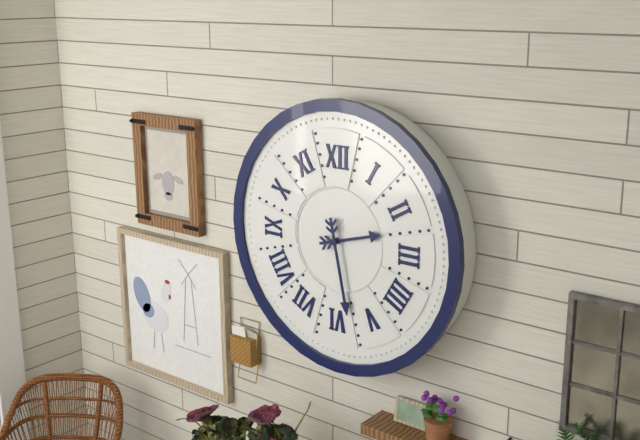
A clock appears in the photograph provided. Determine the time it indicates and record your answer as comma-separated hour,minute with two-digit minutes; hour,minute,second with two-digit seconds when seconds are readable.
2,28
